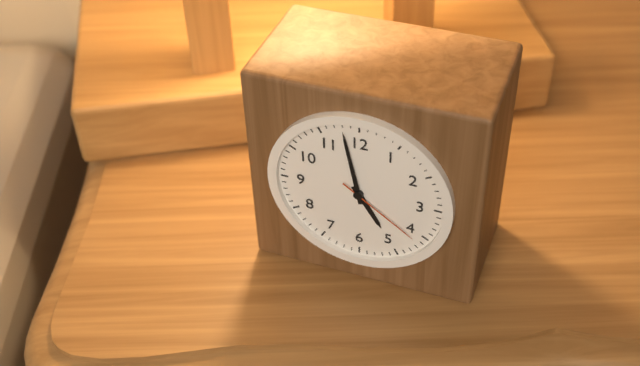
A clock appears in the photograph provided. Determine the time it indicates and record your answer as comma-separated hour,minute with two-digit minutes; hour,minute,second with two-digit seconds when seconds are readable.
4,58,21
